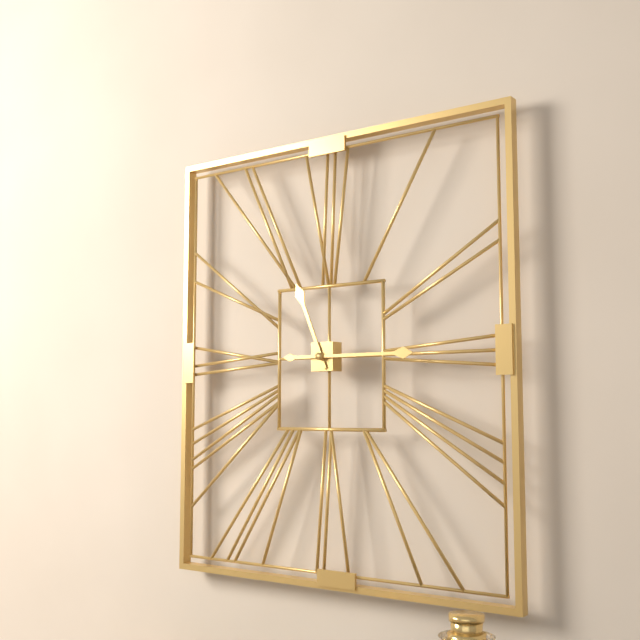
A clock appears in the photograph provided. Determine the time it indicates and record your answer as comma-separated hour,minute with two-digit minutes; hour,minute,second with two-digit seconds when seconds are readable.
11,15
